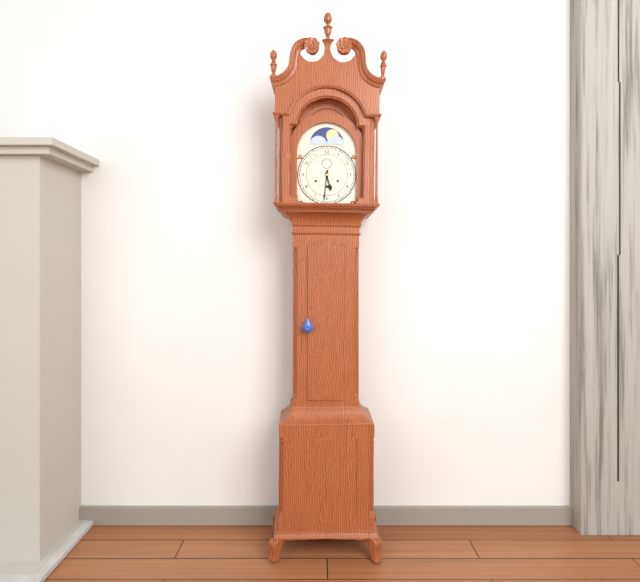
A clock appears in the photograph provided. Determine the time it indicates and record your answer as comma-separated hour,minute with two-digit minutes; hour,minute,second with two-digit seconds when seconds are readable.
5,31
